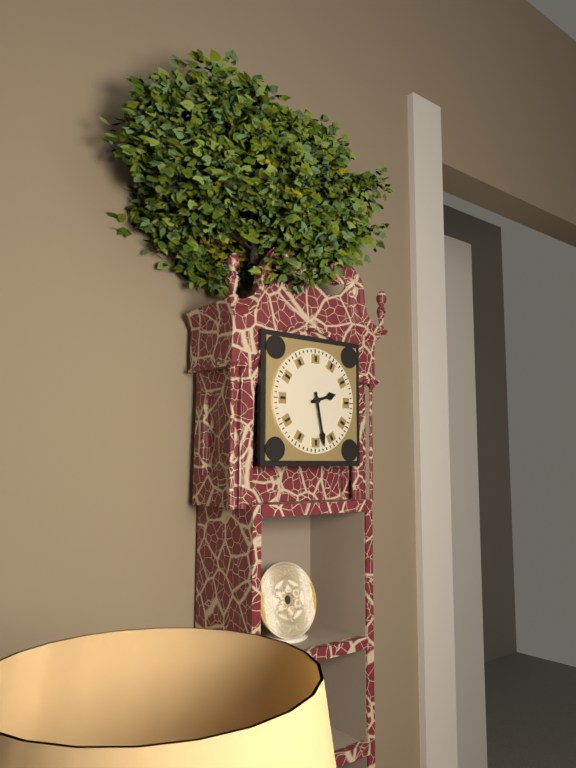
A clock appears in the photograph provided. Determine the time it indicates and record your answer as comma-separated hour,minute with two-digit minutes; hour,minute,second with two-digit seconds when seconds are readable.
2,28
